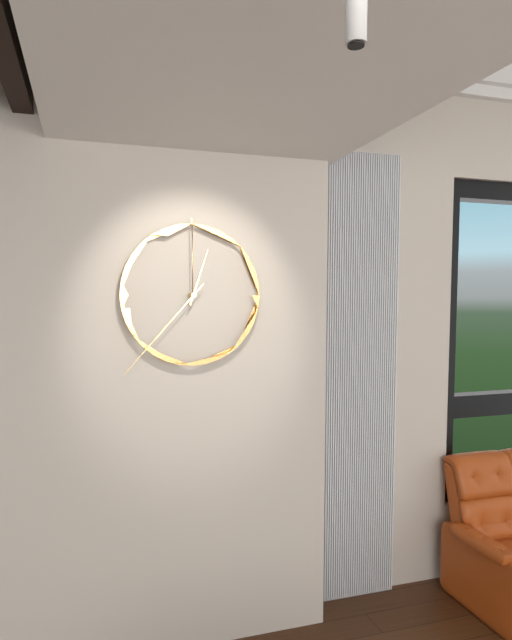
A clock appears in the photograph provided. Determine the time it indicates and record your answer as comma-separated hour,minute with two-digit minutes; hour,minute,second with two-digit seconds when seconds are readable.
12,37
